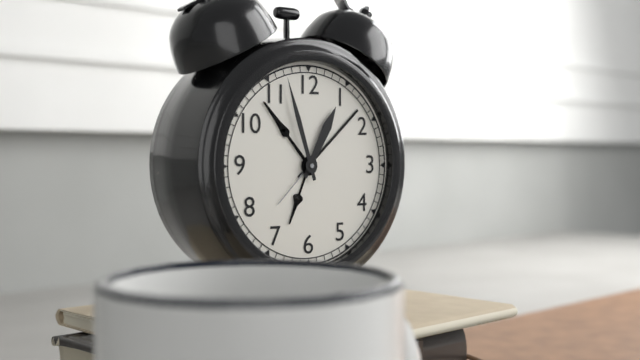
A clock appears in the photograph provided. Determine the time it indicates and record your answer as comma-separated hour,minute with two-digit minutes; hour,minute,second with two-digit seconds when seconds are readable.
12,57
